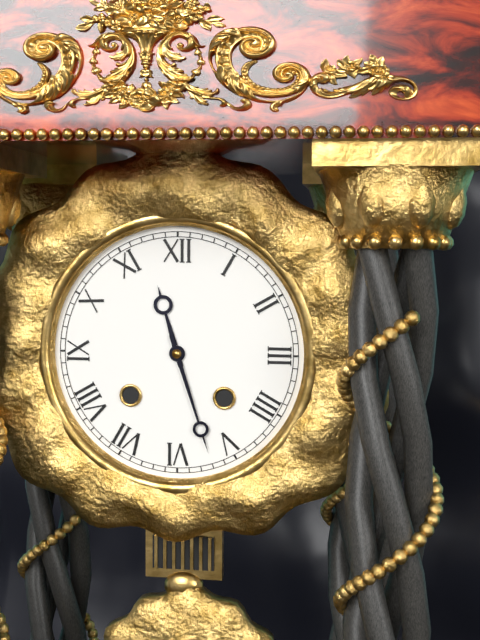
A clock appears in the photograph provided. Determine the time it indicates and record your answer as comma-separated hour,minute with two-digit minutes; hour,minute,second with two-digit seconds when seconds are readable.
11,27
